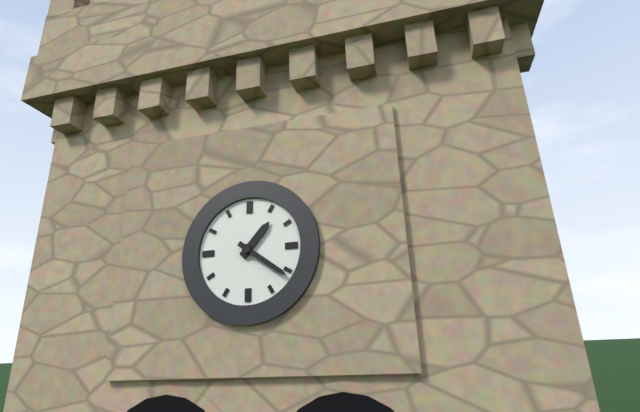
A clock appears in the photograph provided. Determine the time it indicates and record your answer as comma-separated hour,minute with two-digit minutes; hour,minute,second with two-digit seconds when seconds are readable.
1,21
